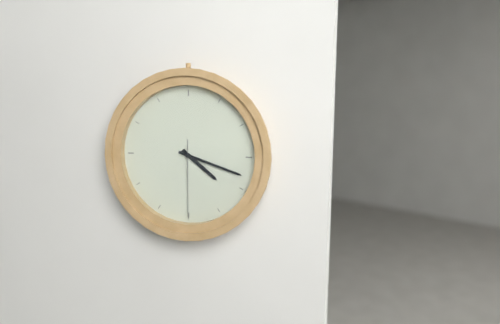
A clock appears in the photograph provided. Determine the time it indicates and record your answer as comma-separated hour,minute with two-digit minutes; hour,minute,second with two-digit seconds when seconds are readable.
4,18,30
